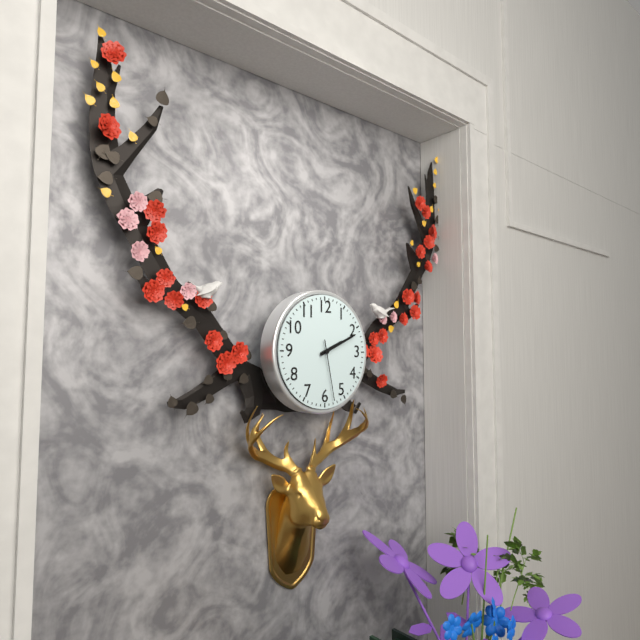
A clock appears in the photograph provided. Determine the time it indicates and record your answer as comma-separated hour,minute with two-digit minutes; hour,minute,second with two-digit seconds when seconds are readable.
2,11,28
